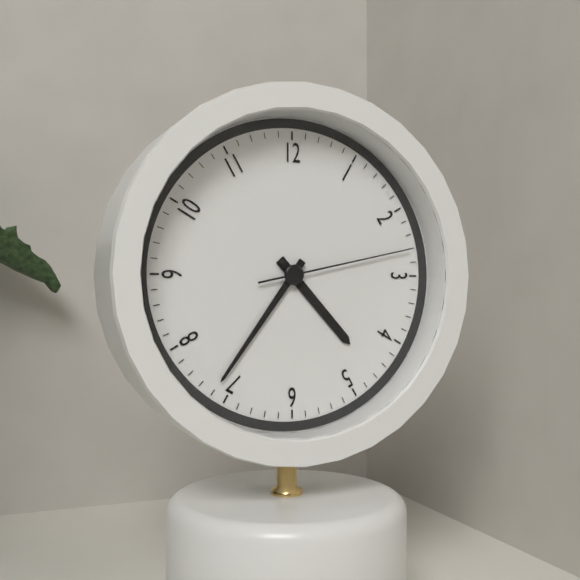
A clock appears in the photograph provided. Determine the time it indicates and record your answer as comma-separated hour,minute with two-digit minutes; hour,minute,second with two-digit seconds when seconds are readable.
4,36,13
